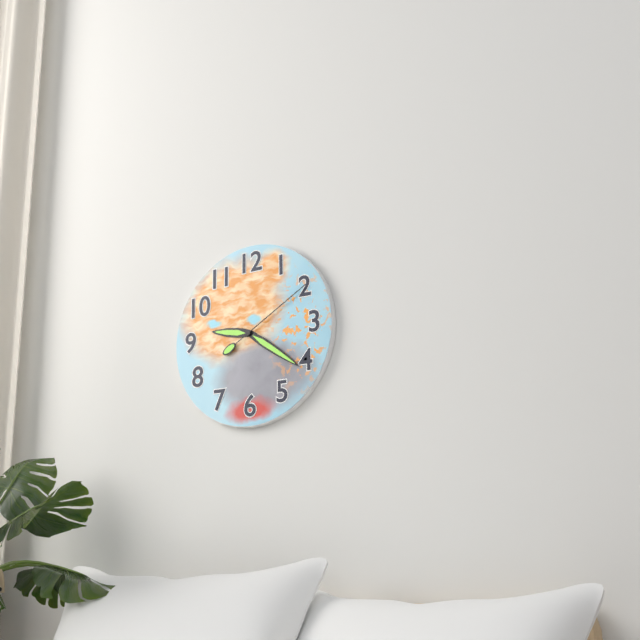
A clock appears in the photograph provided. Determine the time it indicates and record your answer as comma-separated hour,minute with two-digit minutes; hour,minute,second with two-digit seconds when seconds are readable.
9,21,10
